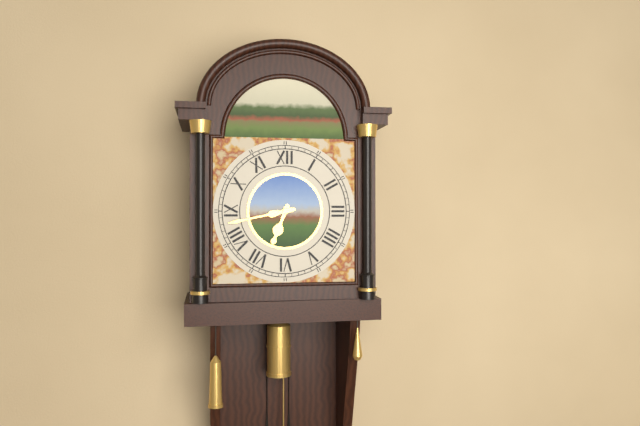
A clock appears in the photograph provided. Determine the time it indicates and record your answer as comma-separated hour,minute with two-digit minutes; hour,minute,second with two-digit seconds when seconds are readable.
6,43
